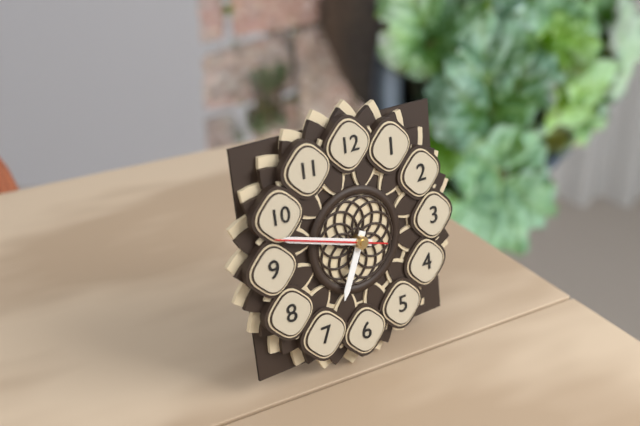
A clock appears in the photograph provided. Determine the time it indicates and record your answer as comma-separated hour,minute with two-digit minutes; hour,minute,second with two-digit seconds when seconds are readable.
6,48,48
